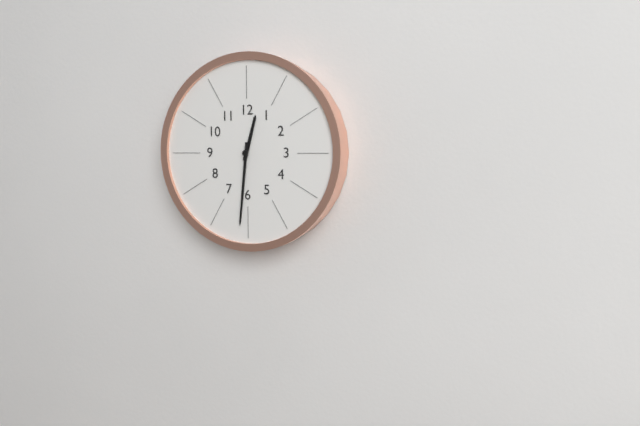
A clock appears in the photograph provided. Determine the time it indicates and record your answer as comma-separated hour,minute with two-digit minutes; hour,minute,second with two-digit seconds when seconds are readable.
12,31
